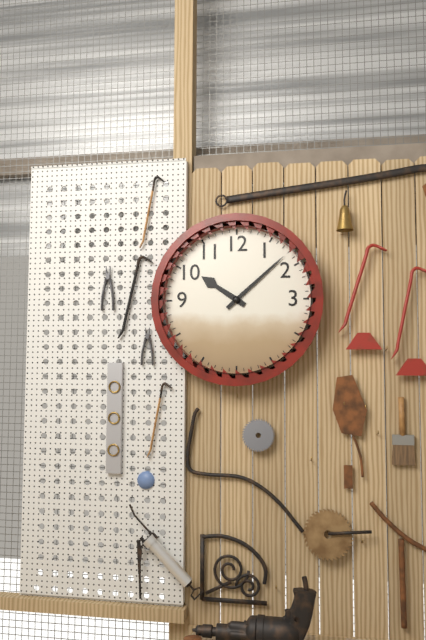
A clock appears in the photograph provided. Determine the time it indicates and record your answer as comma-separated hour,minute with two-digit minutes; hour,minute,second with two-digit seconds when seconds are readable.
10,08
